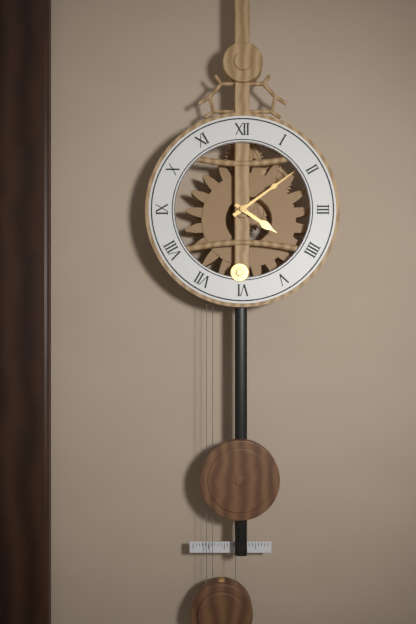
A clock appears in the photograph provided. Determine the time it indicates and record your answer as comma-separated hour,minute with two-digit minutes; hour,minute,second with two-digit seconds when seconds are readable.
4,09
